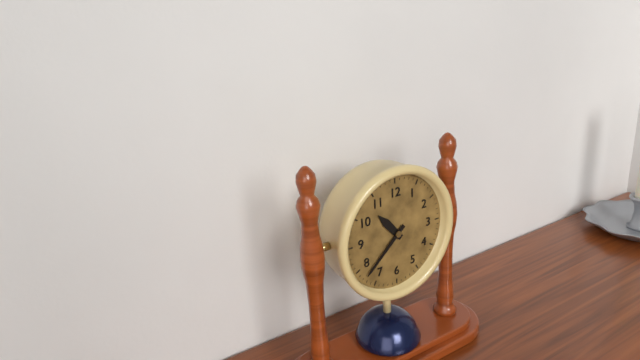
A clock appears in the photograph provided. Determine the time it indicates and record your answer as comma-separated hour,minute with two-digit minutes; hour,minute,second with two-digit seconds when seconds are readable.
10,38
